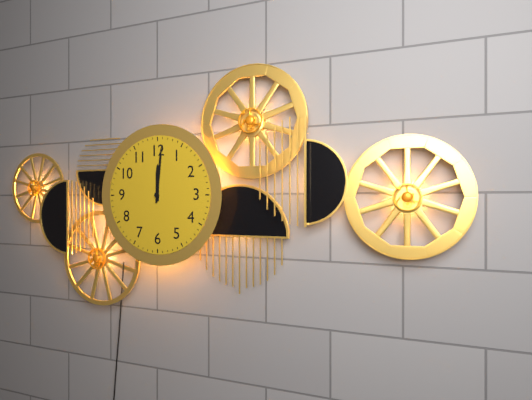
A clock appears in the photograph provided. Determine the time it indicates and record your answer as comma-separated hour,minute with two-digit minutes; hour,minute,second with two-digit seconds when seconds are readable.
12,01
